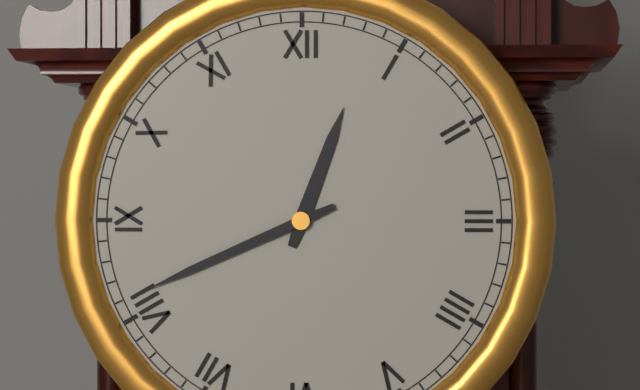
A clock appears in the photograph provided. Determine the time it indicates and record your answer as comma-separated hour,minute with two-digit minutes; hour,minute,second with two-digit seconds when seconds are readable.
12,41
